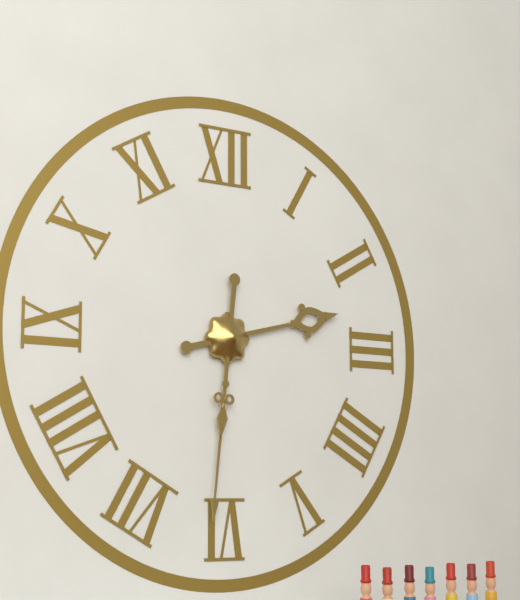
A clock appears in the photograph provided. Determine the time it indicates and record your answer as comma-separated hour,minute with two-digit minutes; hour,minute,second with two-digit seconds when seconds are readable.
2,31
